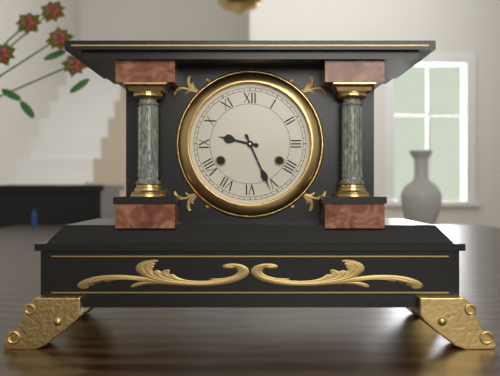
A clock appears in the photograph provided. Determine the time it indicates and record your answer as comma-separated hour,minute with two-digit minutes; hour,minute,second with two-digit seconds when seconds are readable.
9,26
